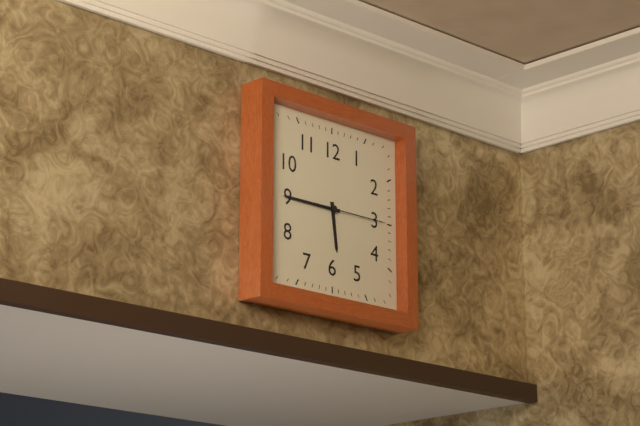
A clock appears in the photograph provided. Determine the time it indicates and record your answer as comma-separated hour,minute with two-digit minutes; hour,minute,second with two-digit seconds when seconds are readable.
5,45,15
